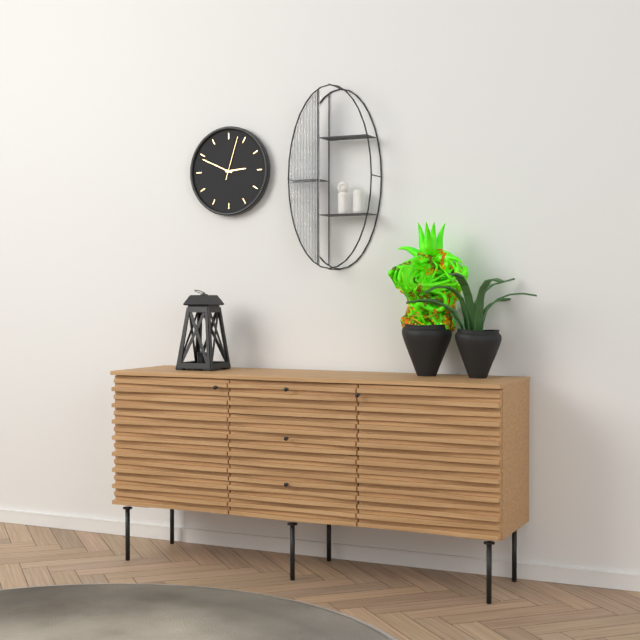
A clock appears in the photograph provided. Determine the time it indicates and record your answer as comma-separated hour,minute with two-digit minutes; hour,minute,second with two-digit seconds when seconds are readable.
2,49
